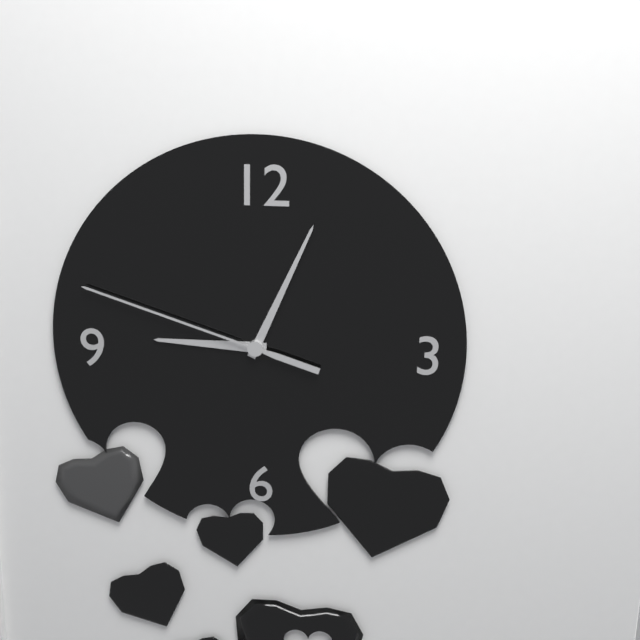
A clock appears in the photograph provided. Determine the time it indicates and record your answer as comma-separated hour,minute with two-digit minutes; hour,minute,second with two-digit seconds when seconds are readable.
9,04,48
